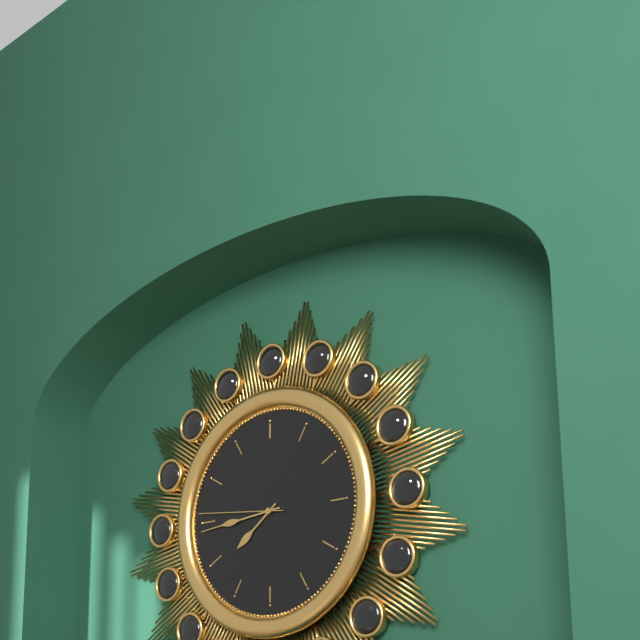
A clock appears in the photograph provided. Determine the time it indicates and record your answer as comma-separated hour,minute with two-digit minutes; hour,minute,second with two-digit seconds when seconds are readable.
7,44,46
